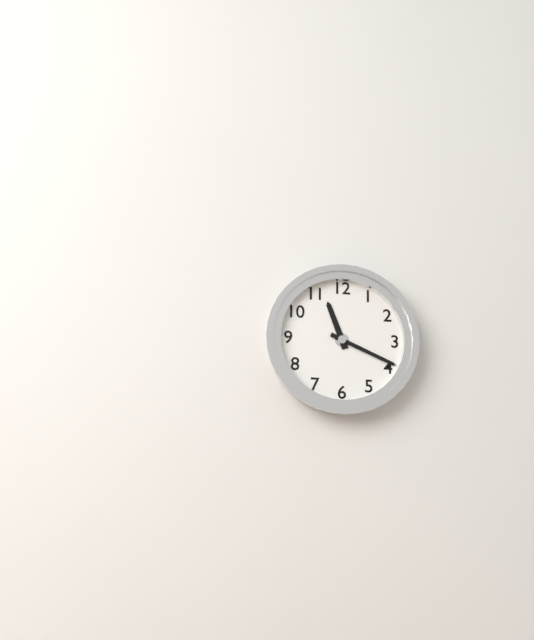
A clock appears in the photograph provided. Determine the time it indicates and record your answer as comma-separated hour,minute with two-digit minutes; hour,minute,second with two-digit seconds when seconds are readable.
11,19
